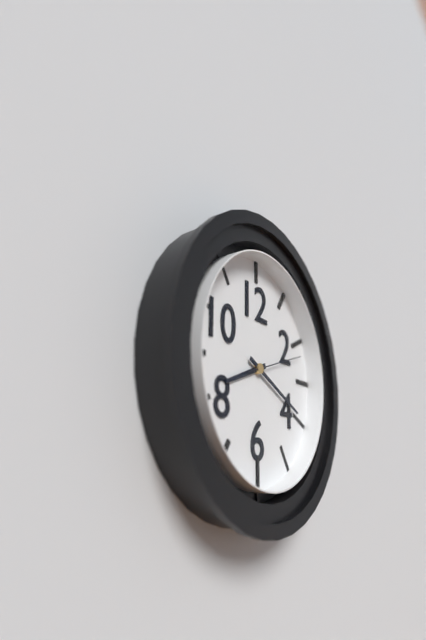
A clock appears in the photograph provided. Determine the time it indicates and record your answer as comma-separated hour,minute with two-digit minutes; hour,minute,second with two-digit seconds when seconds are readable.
8,19,12
